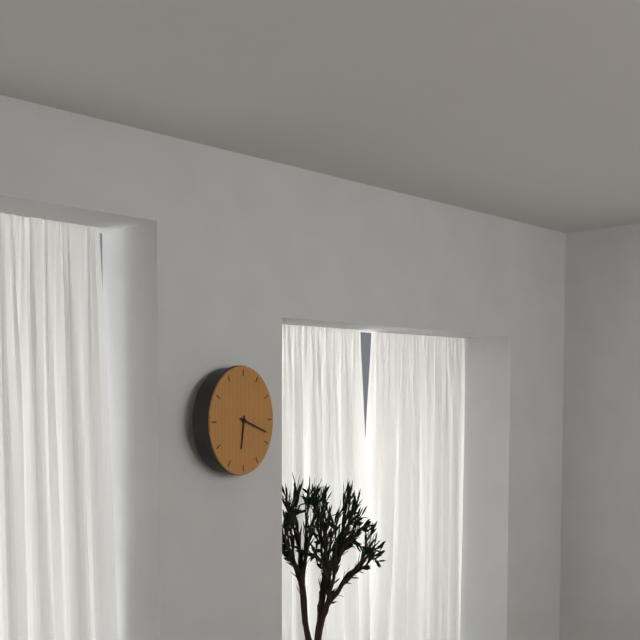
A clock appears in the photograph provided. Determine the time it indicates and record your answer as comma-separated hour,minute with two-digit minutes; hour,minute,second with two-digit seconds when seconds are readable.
6,18
